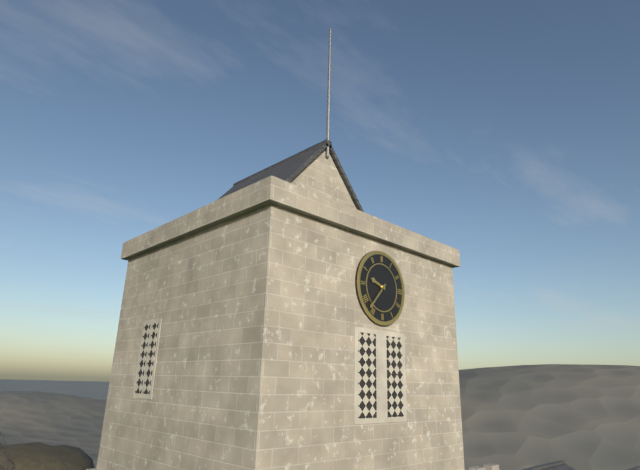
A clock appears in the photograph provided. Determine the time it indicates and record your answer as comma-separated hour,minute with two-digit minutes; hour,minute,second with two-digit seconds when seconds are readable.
9,37
